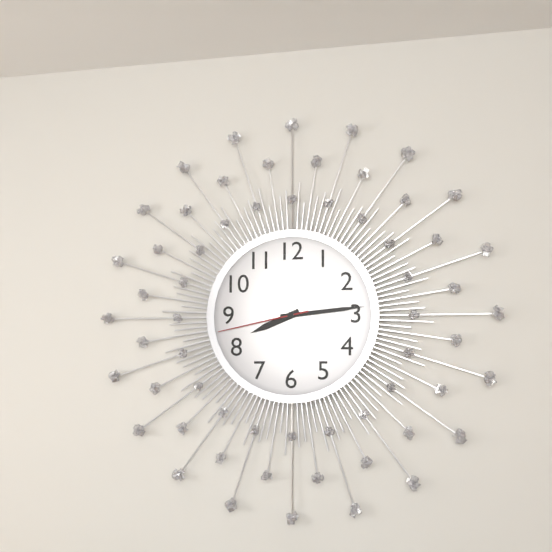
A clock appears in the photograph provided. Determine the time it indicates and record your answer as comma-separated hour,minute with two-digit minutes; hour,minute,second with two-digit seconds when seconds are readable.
8,14,43
